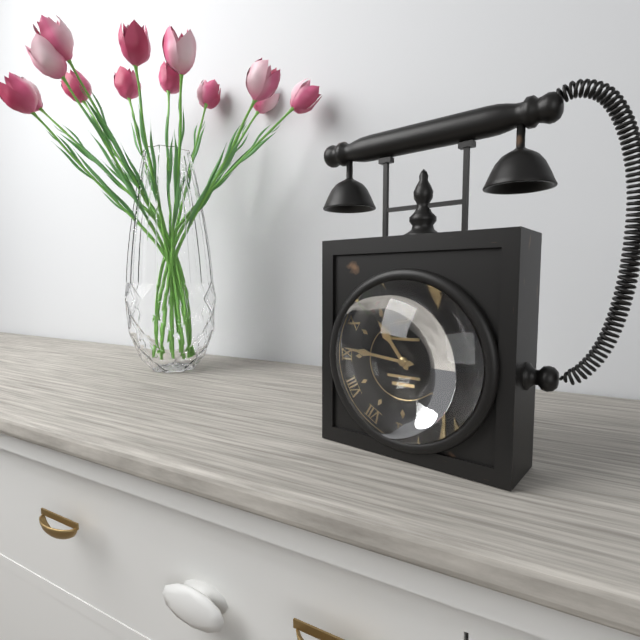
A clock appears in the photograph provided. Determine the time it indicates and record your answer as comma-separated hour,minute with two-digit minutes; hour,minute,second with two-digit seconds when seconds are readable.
10,46
